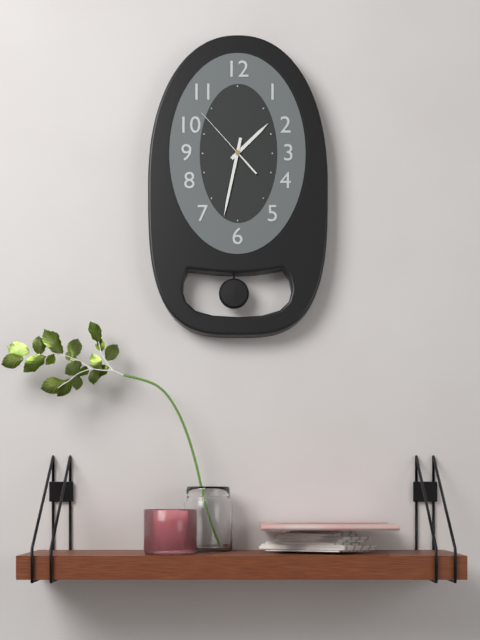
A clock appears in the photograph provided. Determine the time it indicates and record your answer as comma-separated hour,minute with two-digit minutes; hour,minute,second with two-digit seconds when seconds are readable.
1,32,53
